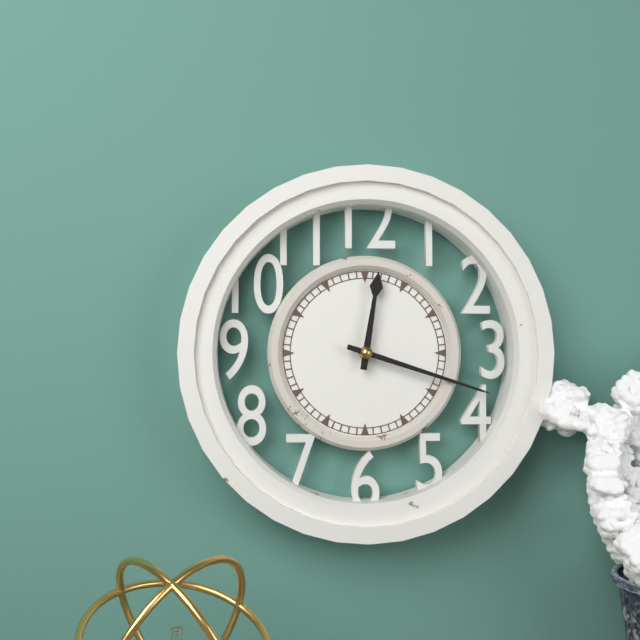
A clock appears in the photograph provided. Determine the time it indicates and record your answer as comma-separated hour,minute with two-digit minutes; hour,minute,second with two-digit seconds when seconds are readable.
12,18
